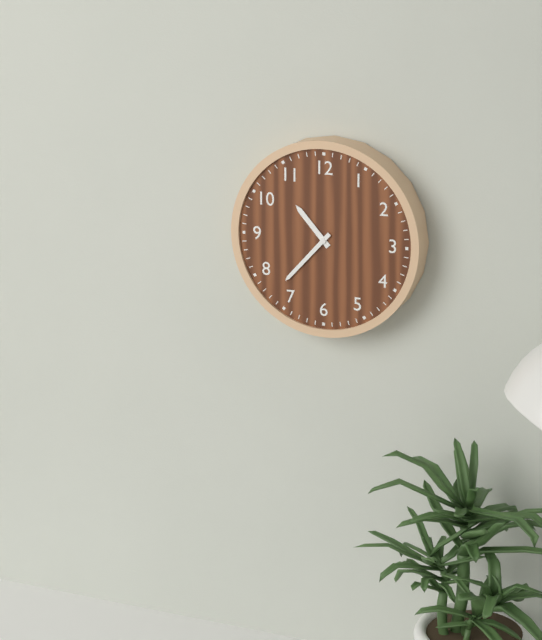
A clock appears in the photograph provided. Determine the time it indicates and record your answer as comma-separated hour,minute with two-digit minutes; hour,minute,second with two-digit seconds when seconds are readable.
10,37
